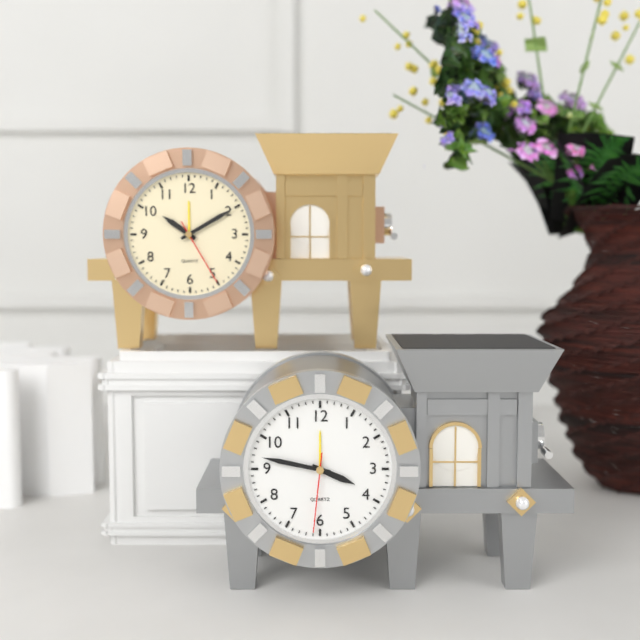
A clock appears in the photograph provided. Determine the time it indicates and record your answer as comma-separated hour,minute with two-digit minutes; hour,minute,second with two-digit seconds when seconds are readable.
3,47,31
